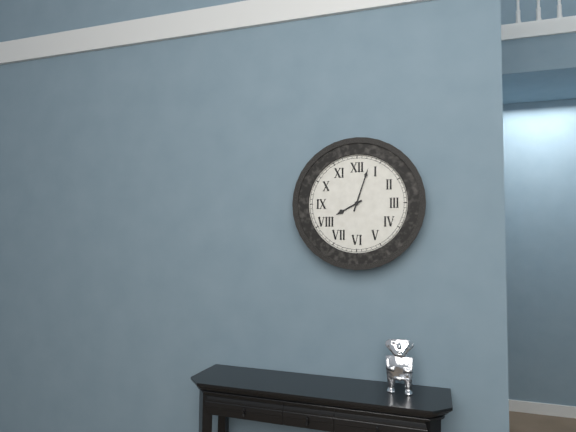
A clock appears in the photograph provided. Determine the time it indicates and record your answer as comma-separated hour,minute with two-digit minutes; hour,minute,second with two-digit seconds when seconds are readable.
8,03
